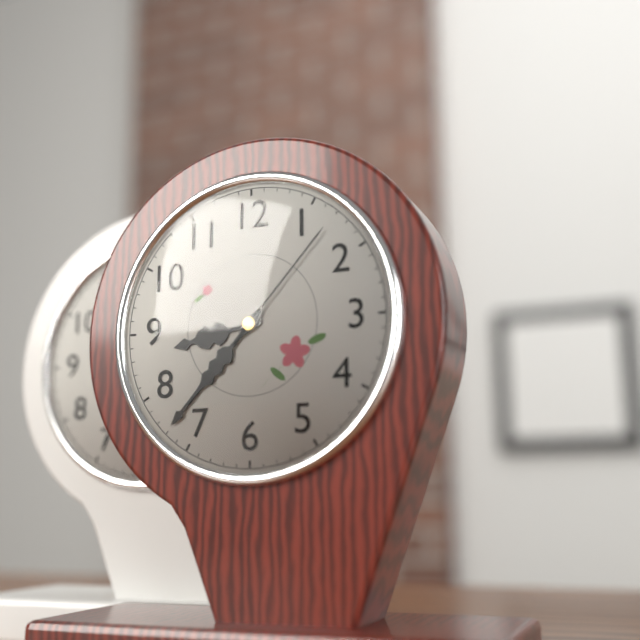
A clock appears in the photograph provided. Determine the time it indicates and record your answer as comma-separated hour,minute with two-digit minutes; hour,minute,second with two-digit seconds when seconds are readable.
8,37,07
